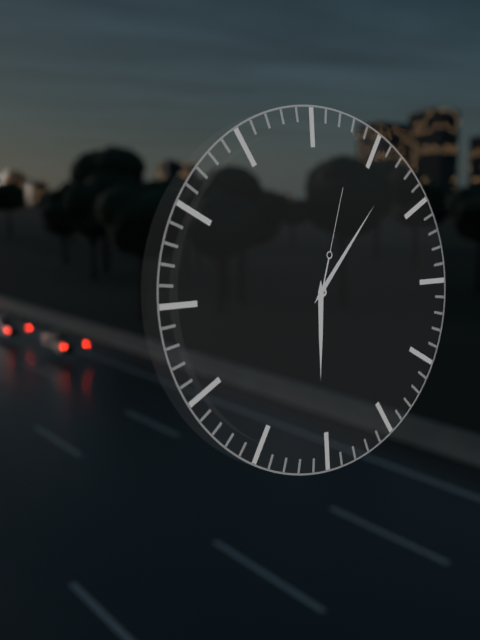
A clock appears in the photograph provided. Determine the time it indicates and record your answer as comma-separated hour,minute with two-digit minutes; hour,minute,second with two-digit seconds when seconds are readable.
6,07,03
